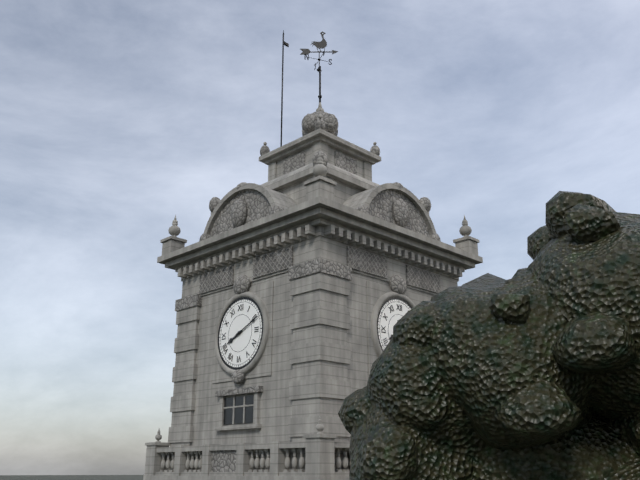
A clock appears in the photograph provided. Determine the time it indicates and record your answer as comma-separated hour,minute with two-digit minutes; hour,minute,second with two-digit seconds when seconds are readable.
8,11
